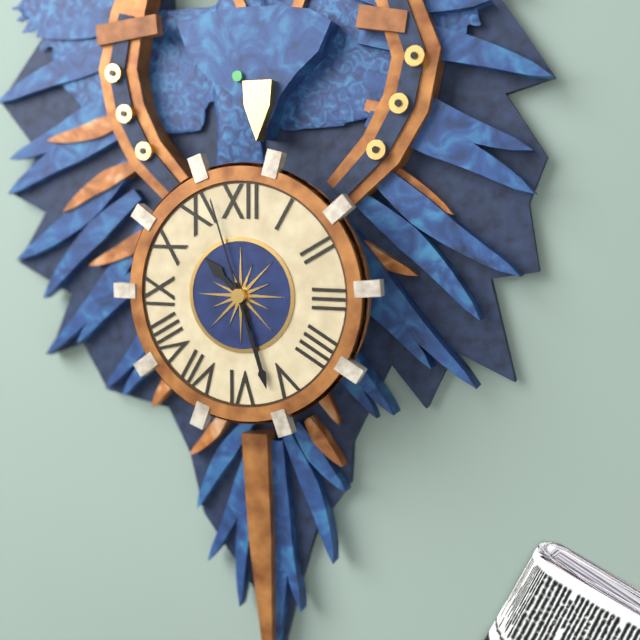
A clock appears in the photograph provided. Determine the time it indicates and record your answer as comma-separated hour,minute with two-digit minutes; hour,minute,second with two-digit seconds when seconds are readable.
10,27,57
